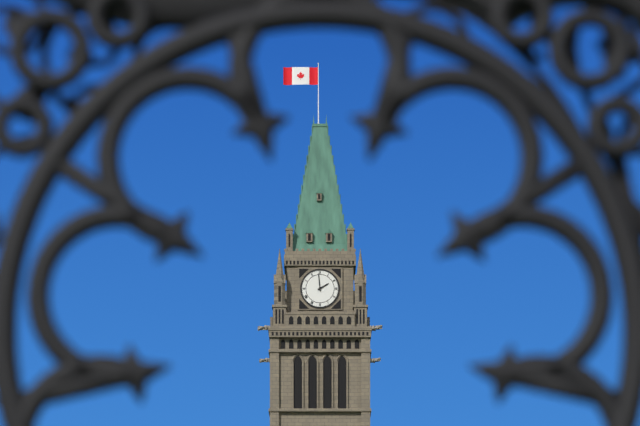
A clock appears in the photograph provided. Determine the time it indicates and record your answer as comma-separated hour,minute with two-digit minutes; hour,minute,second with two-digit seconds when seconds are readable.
1,59
